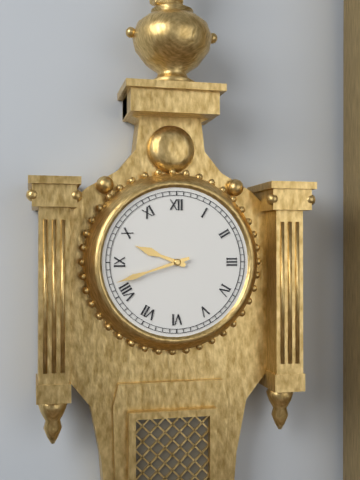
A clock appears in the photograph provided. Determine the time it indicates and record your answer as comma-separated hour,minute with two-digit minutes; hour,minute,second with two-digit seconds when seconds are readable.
9,42
